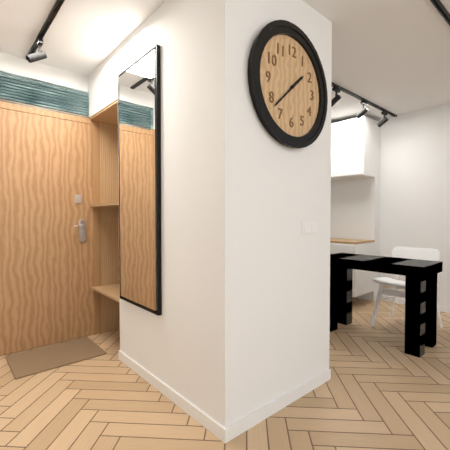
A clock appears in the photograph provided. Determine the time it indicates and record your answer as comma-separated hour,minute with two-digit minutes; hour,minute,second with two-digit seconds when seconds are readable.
1,38
